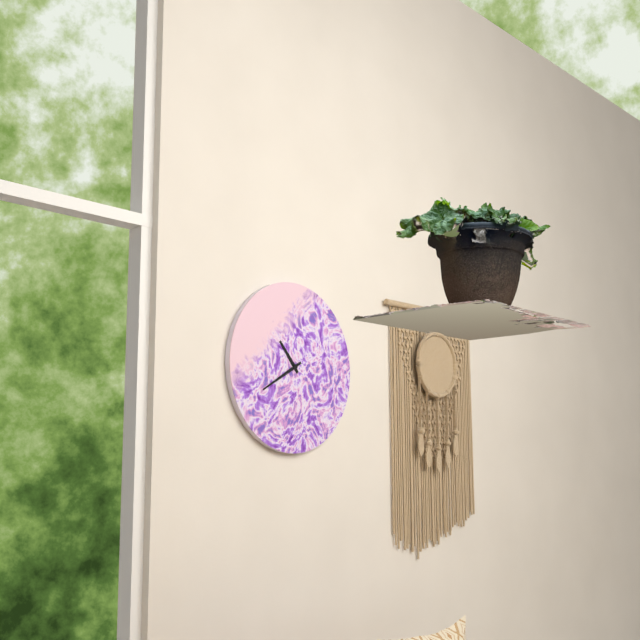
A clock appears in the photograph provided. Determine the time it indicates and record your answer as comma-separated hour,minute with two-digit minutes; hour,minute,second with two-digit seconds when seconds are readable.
10,40
